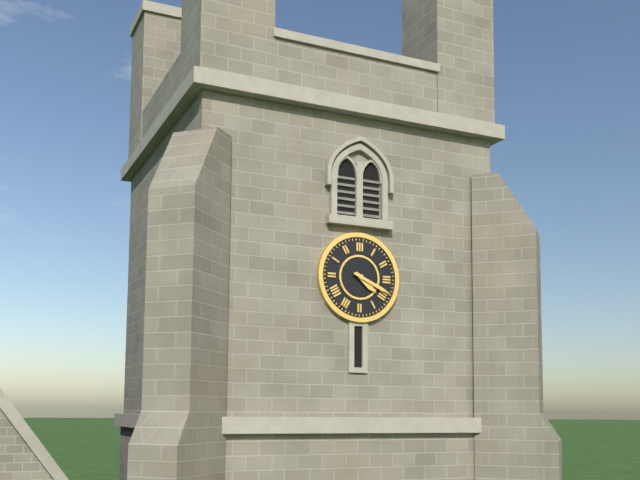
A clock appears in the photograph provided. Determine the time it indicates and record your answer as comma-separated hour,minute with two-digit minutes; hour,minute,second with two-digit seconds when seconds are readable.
4,19
